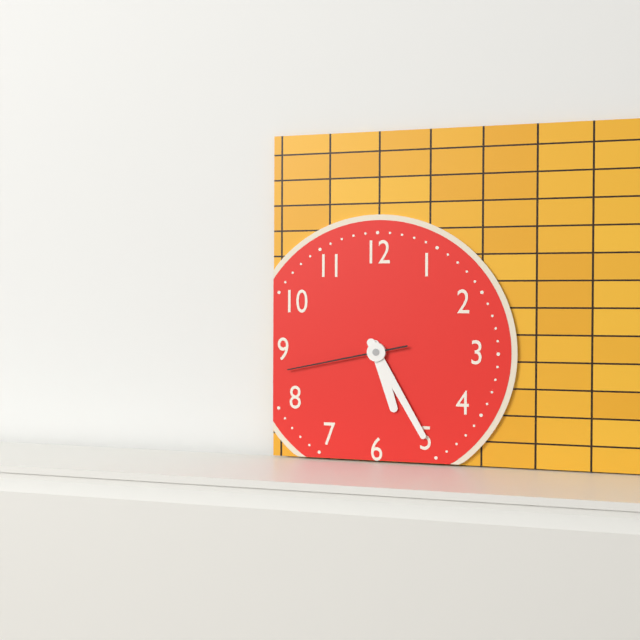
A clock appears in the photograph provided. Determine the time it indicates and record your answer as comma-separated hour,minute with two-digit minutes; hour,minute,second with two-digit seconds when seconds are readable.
5,25,43
